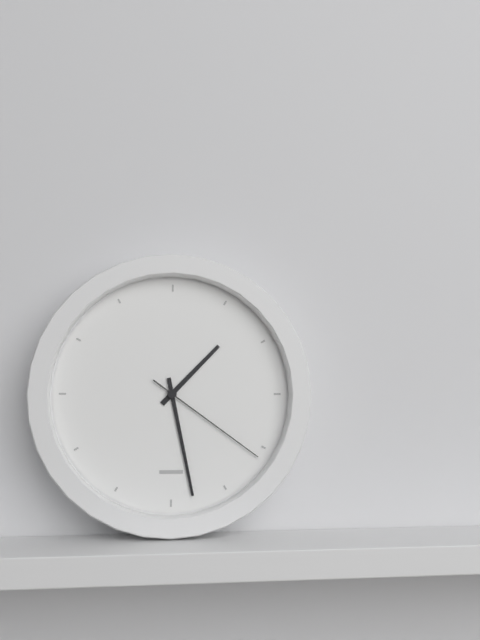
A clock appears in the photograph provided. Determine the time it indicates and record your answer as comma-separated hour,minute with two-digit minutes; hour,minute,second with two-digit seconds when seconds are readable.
1,28,21
